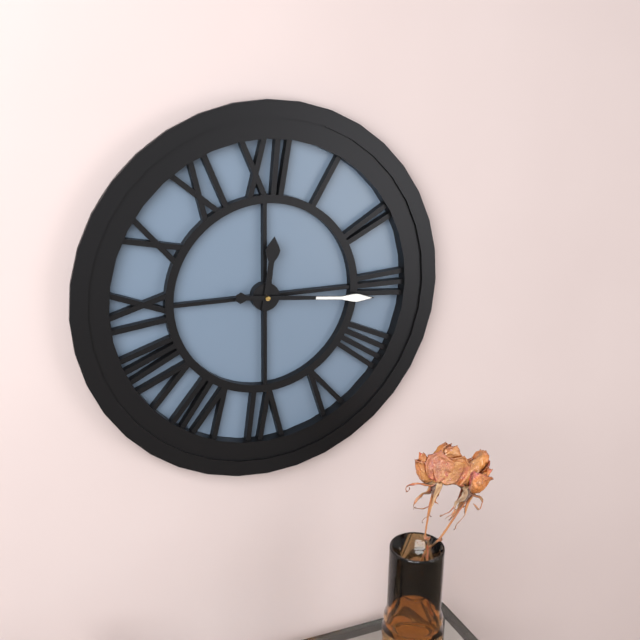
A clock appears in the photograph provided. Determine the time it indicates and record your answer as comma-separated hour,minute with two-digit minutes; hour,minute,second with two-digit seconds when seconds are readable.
12,16
